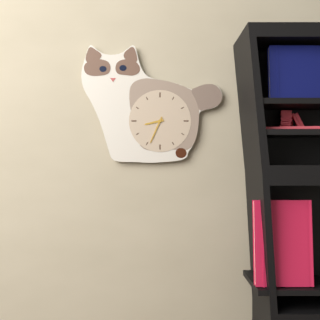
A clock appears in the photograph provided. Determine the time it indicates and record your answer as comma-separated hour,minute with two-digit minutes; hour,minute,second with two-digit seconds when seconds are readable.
8,34
